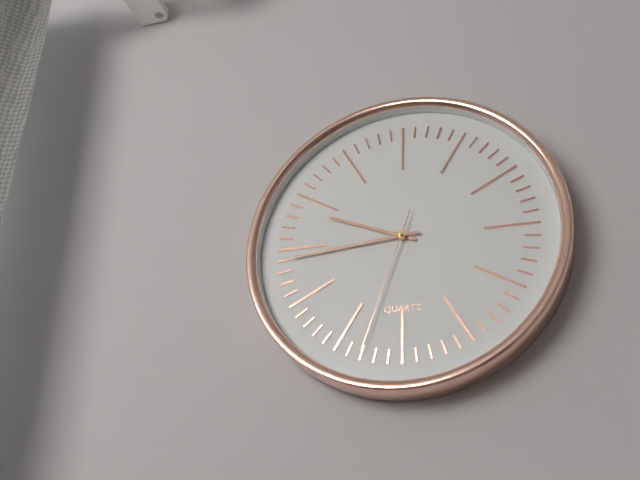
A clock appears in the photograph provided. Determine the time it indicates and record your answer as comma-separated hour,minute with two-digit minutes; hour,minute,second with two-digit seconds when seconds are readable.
9,44,33
